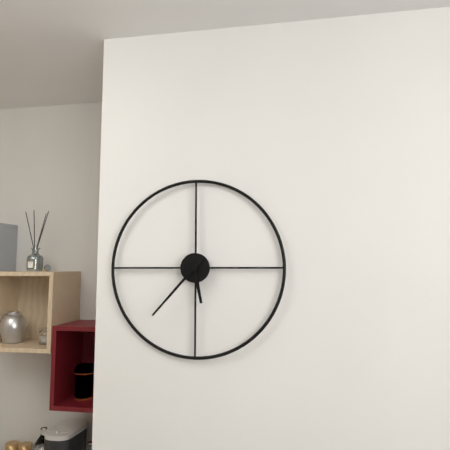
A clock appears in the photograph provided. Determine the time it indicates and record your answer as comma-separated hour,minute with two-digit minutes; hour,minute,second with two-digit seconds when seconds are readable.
5,37
